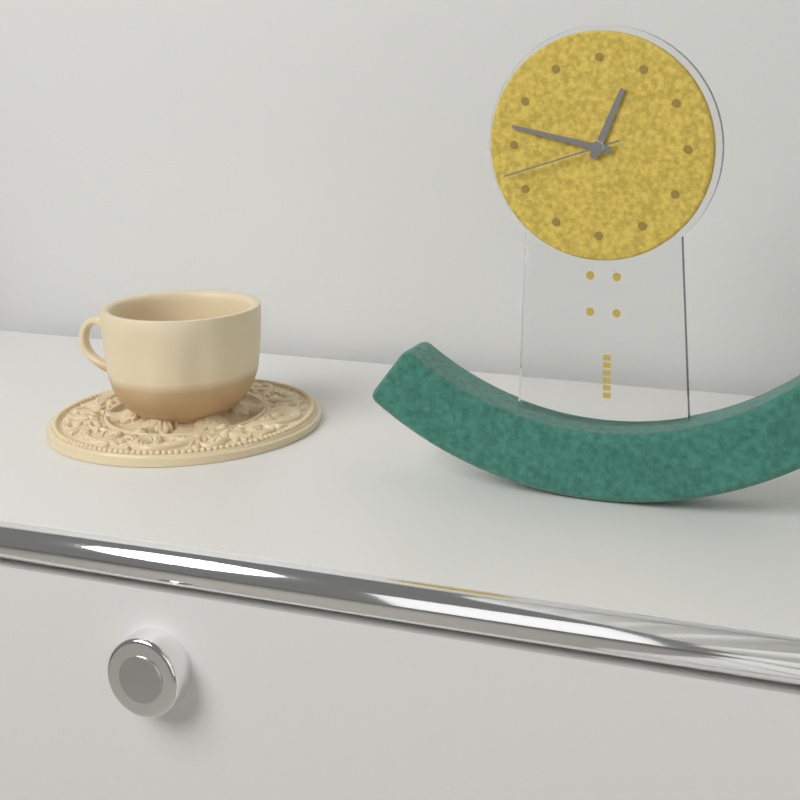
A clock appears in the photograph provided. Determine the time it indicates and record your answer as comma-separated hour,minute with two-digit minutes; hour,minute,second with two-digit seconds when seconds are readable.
12,47,42
